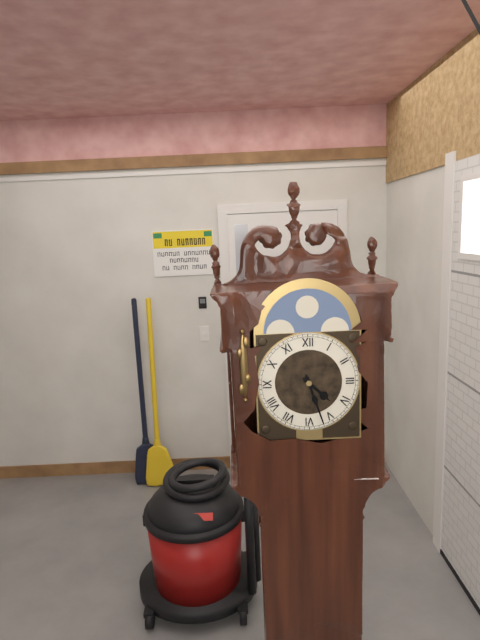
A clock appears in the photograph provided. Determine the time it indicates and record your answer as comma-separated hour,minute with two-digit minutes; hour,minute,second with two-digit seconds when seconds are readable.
4,27
